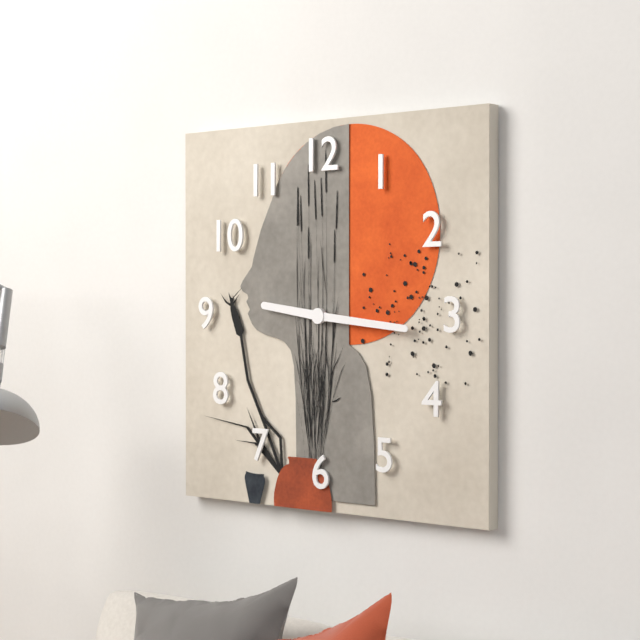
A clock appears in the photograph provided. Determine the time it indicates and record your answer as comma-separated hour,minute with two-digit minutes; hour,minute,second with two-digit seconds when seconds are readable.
9,16
